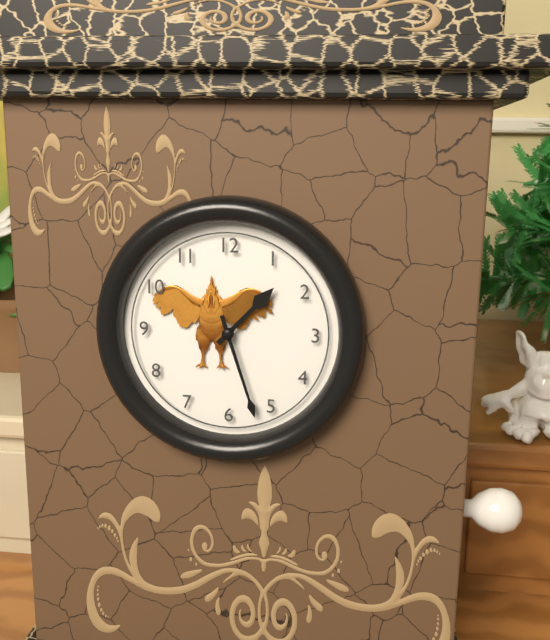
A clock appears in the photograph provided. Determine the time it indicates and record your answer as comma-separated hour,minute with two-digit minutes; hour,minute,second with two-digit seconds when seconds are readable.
1,27
